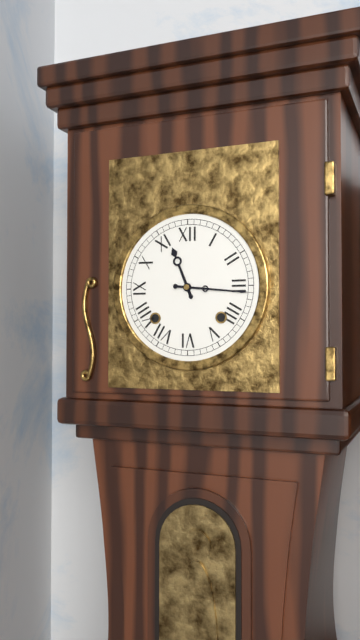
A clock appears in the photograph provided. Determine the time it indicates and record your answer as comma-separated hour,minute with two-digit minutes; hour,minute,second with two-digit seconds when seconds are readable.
11,16
